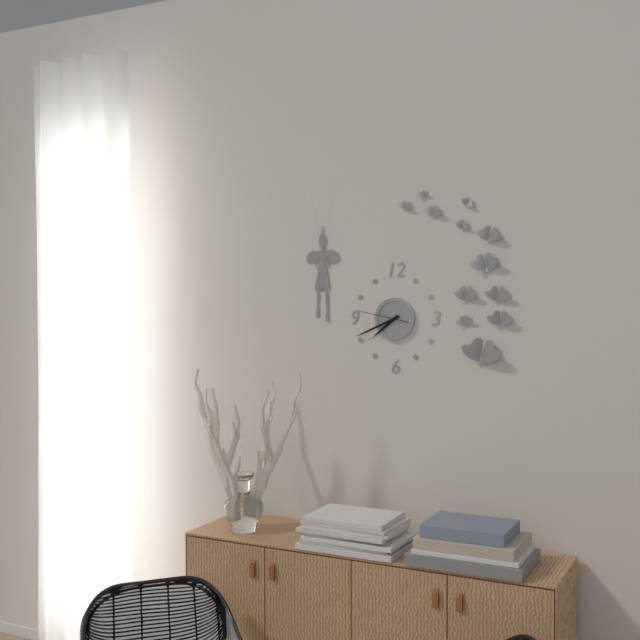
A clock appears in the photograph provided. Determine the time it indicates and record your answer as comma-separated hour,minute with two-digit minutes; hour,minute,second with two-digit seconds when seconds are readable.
7,41
